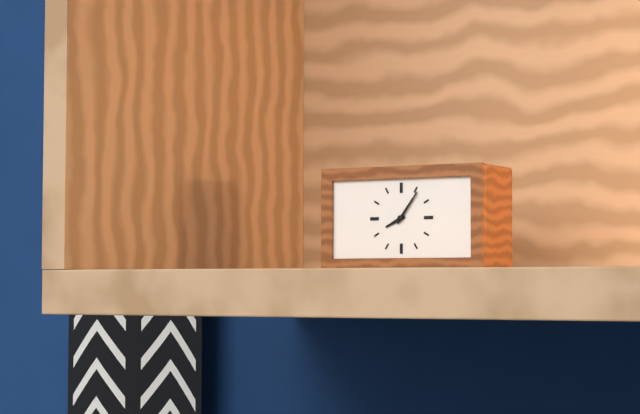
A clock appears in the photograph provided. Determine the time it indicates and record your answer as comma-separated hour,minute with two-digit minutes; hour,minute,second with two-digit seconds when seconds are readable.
8,06
